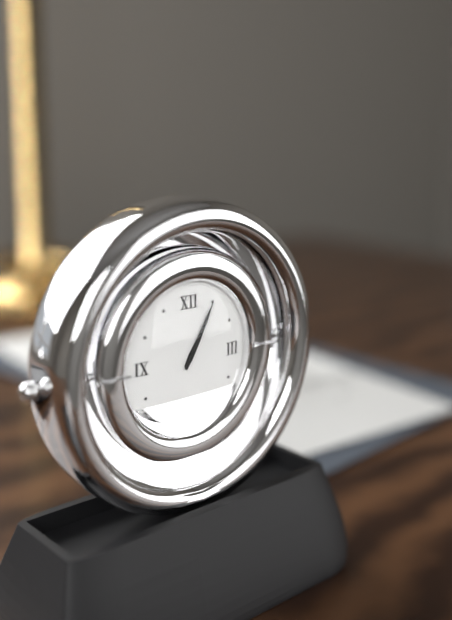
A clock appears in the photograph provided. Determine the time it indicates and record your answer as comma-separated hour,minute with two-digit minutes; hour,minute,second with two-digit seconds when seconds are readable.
1,05
